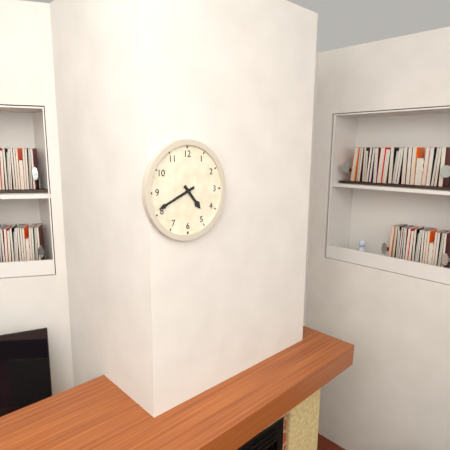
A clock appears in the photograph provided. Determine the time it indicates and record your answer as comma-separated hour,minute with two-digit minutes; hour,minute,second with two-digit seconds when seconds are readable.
4,41
